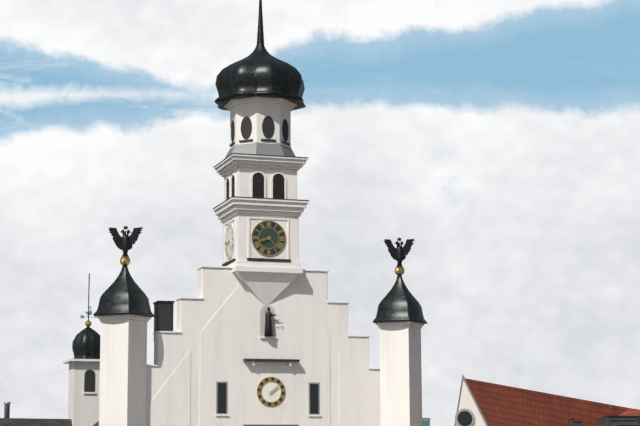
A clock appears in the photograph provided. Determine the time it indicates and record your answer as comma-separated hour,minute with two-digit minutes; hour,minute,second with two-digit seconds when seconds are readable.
8,23
